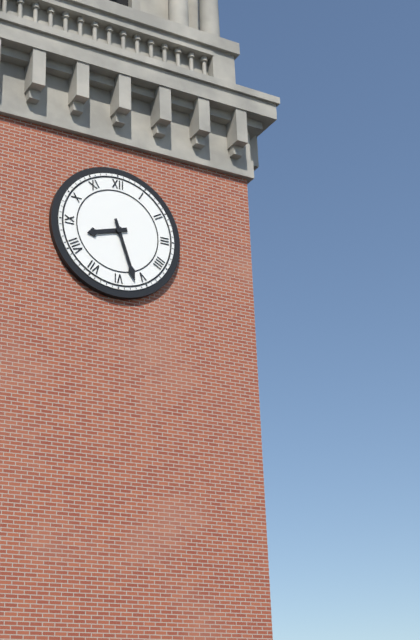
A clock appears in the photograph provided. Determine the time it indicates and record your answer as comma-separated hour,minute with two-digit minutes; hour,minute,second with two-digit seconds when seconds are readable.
8,27
